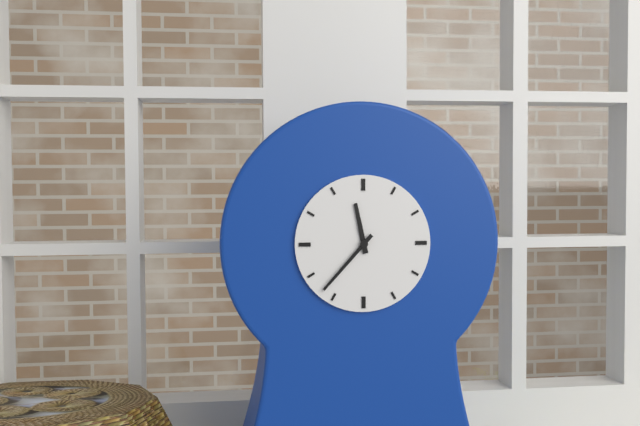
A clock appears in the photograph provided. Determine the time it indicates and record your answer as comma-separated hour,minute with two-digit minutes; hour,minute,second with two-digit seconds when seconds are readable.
11,37
